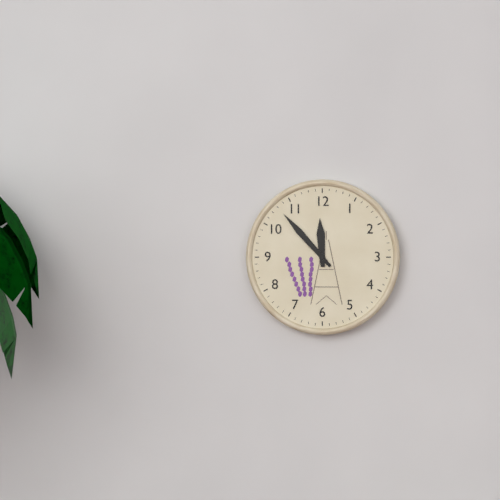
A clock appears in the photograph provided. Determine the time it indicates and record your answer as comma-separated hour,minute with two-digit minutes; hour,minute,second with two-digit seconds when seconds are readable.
11,53
